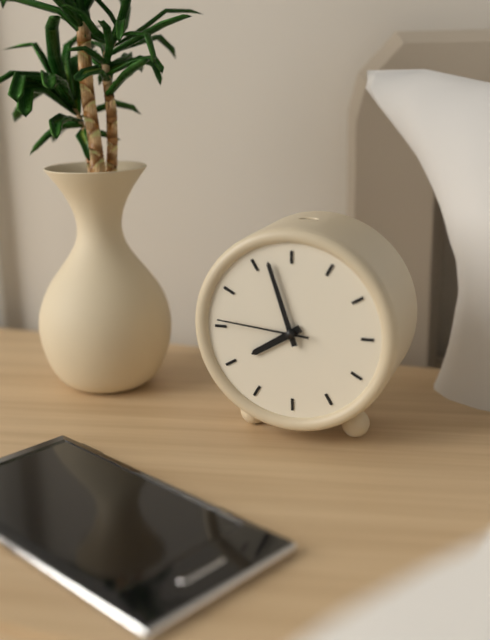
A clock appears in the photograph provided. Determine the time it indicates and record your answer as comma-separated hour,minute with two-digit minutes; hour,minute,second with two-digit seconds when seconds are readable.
7,57,46
